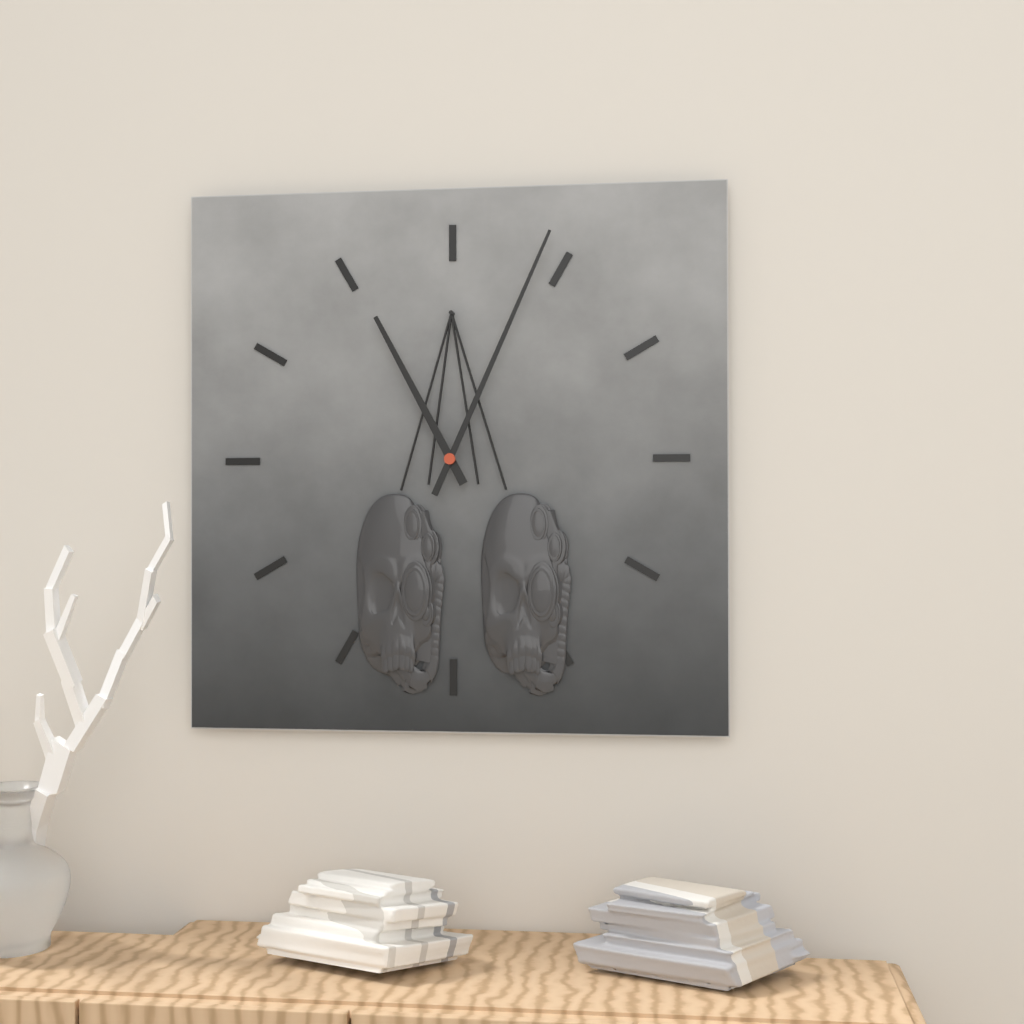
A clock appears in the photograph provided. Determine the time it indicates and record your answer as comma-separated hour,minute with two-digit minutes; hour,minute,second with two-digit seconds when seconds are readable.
11,04
